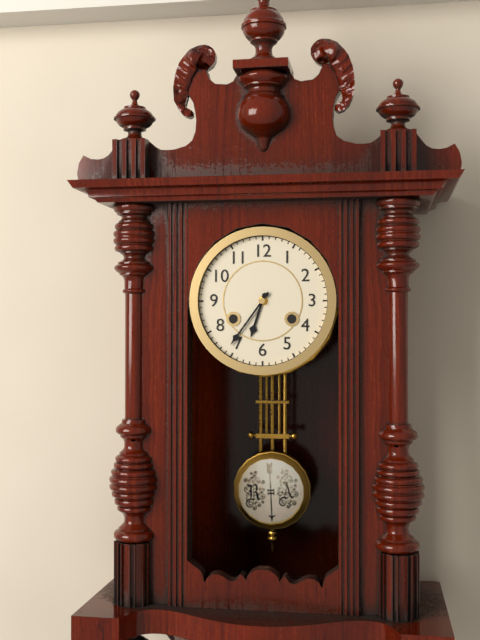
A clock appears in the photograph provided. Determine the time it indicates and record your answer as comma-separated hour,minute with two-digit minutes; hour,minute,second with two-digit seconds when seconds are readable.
6,36
